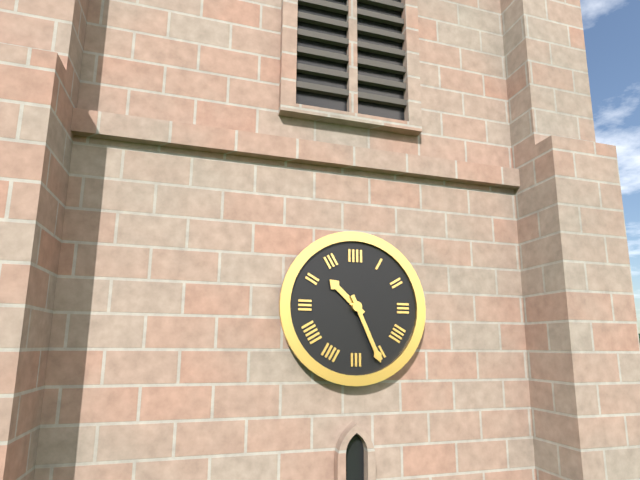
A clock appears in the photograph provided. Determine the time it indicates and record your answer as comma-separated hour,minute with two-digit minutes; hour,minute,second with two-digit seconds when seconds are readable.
10,26
